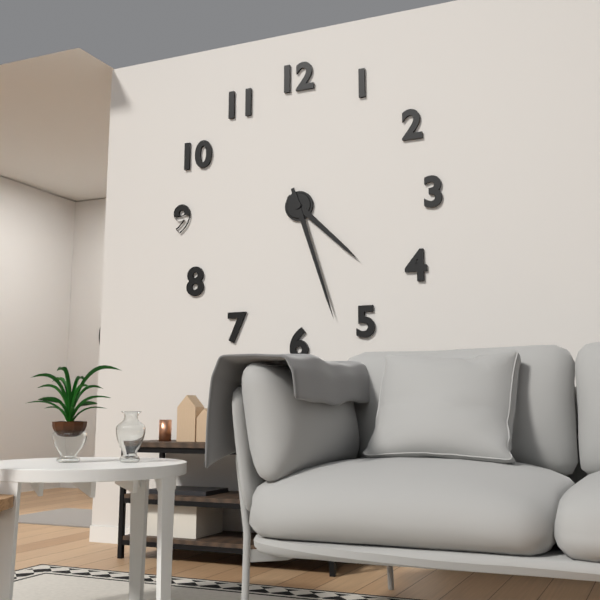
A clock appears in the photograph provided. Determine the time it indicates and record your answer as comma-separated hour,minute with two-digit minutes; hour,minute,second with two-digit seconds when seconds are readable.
4,27
